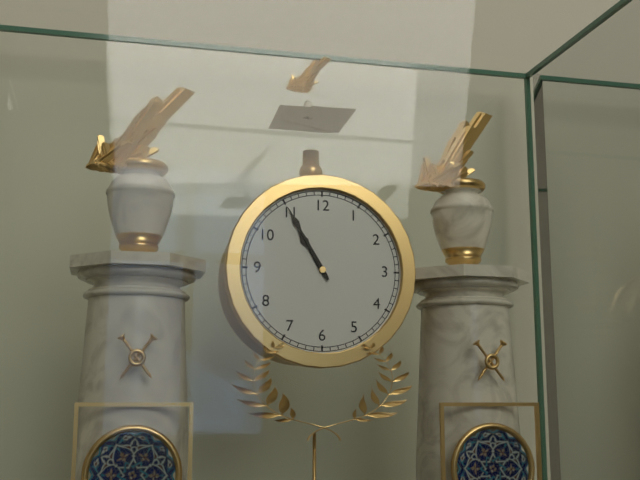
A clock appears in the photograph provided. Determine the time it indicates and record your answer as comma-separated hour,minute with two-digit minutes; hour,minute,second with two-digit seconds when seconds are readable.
10,55
